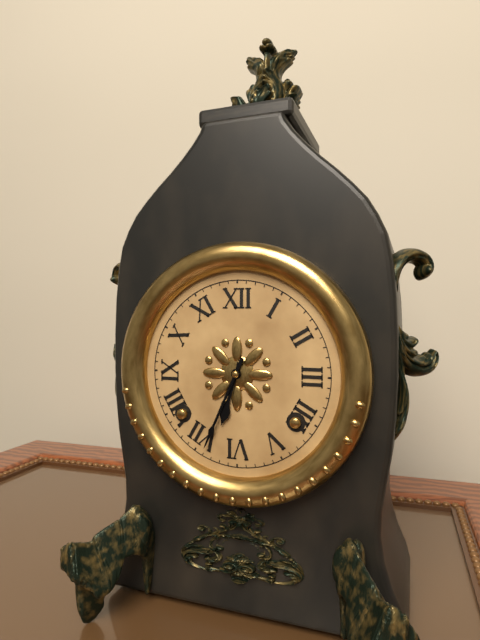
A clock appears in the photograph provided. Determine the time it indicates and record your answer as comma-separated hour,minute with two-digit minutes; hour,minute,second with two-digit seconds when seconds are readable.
6,34
